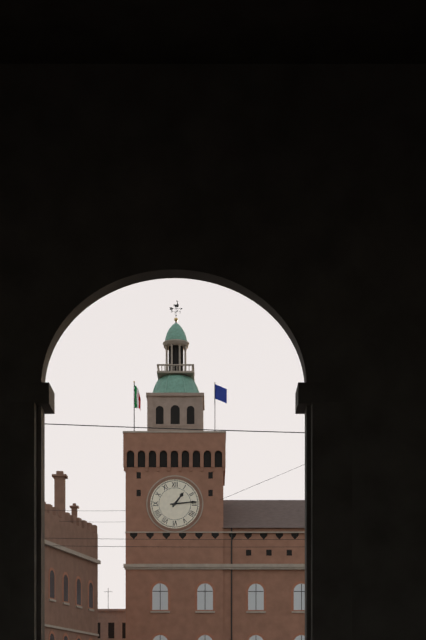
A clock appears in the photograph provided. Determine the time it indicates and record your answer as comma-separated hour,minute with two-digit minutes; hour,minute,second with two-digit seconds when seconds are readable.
1,14
